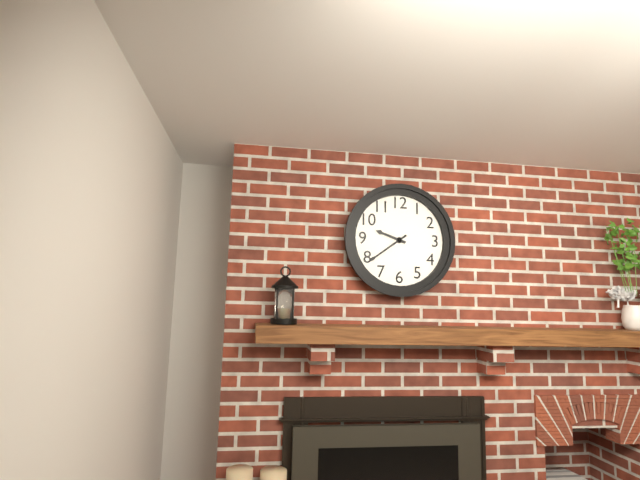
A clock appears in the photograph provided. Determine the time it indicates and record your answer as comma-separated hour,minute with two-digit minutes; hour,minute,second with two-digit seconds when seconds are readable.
9,39
